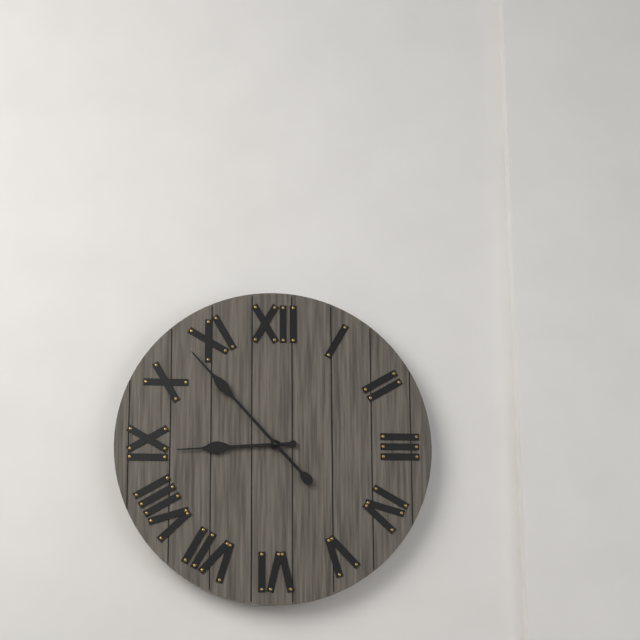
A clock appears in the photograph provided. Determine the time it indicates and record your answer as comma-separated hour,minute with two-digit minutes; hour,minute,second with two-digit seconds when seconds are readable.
8,53
